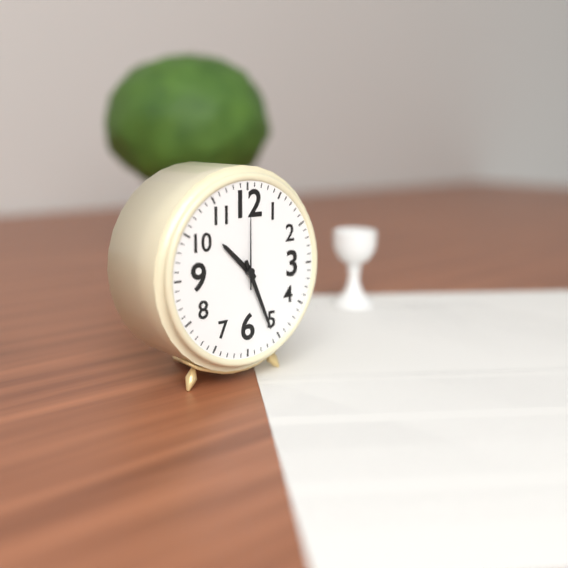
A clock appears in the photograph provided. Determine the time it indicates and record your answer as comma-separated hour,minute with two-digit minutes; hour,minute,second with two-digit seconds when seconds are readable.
10,26,00
